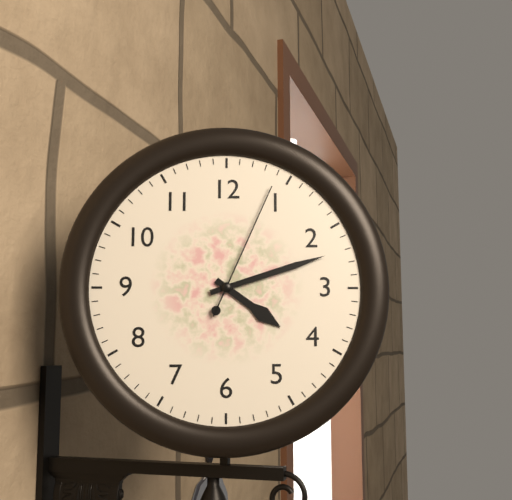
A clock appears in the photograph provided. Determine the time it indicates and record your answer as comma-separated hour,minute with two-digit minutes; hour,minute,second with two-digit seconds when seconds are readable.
4,12,04
